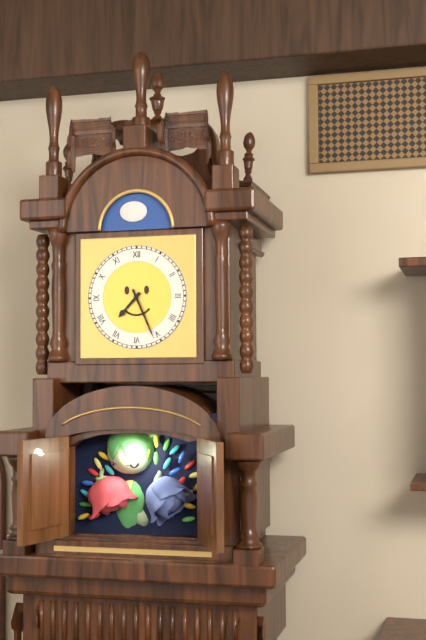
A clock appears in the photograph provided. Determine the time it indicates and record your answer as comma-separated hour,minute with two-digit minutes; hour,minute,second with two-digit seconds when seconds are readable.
7,26
